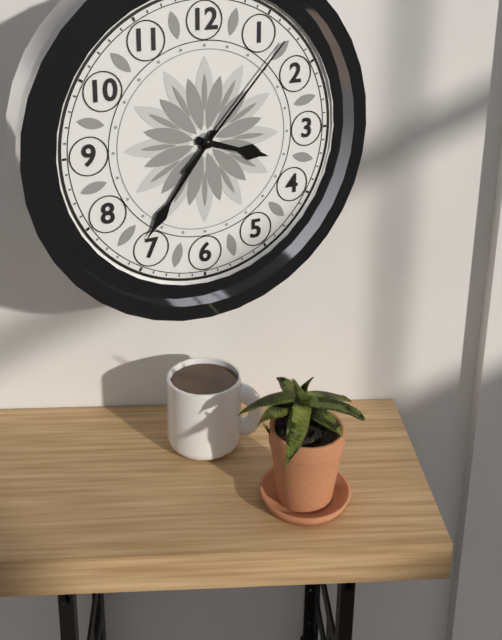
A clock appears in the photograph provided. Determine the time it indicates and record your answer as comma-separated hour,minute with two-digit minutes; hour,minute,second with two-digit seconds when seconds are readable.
3,36,07
